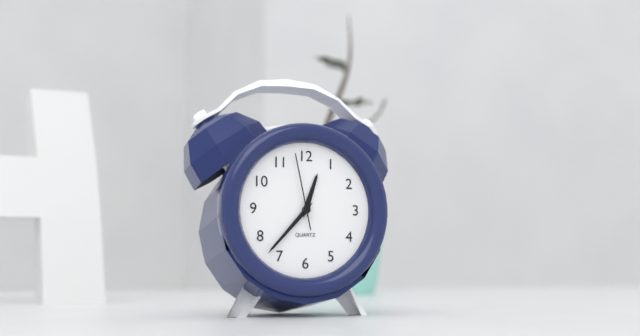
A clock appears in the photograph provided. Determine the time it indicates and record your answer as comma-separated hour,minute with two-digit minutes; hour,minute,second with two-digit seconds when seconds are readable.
12,37,58
